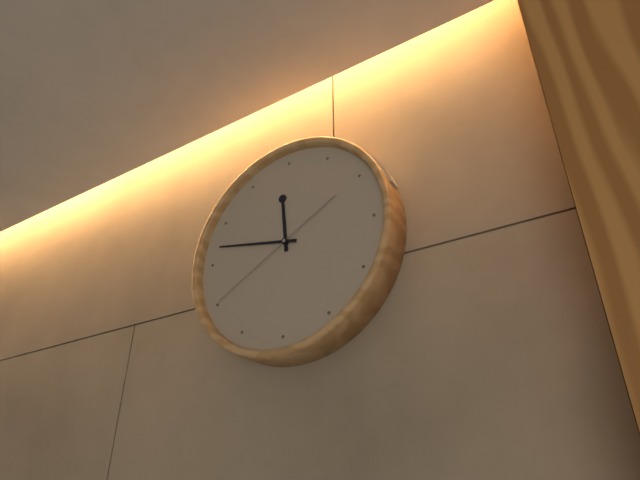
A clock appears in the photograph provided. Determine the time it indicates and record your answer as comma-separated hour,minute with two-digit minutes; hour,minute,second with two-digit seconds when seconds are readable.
11,47,40
